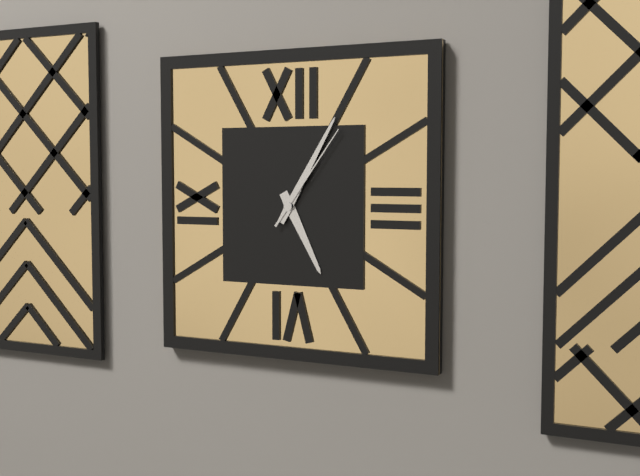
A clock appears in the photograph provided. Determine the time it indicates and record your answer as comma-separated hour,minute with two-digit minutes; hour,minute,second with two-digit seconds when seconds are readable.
5,05,06
